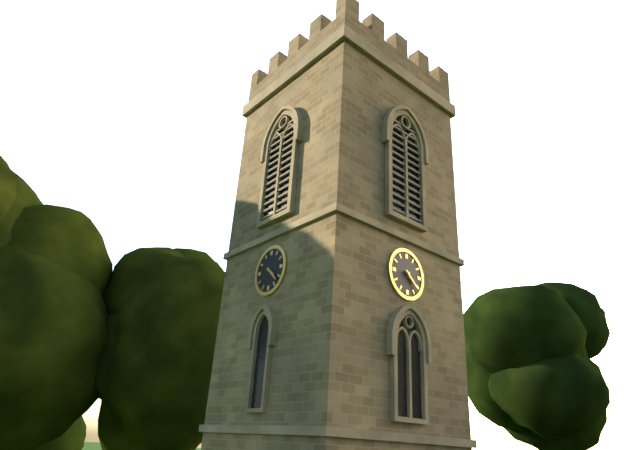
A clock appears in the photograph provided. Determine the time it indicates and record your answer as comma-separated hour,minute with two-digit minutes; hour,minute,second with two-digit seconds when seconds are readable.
4,22
